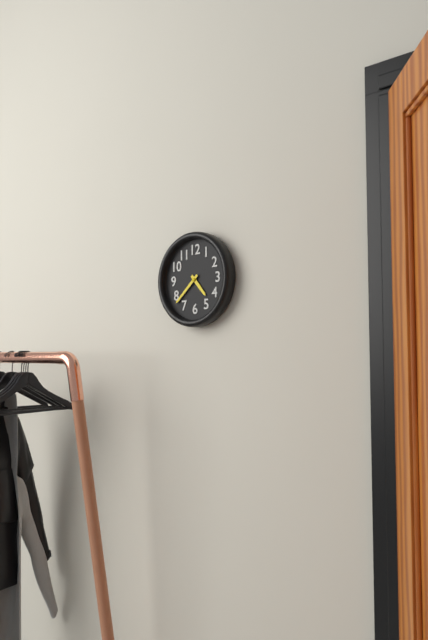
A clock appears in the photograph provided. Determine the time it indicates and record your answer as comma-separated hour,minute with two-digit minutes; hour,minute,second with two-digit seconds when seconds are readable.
4,38
